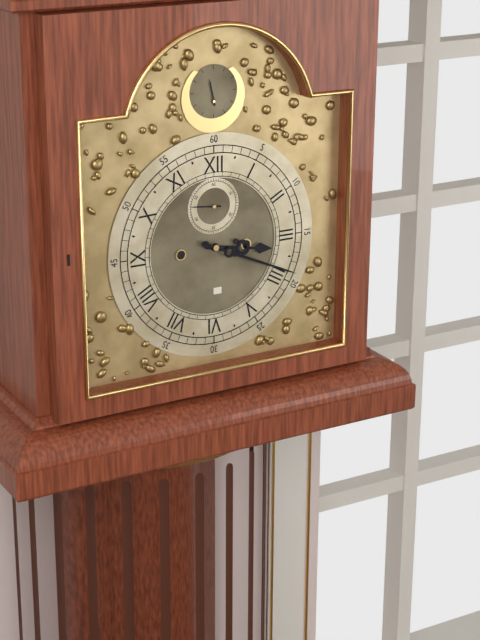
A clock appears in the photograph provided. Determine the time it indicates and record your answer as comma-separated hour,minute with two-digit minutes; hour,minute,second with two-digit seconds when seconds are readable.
3,19
